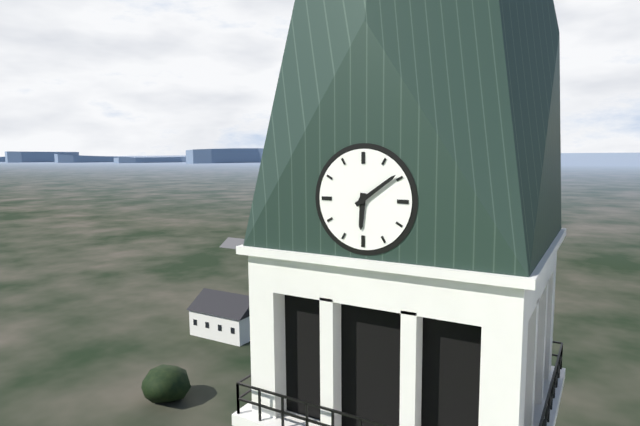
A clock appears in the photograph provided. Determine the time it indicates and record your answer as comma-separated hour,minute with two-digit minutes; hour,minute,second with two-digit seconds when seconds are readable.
6,09
